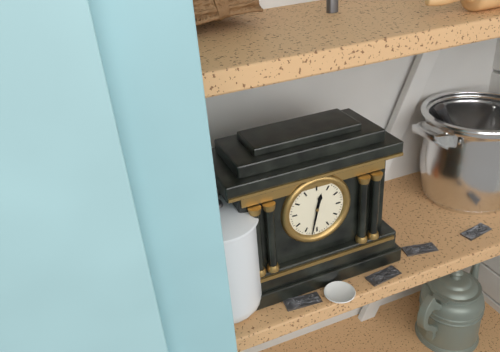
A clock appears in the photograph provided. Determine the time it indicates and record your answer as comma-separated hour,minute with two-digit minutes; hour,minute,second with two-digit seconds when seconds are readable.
12,32
